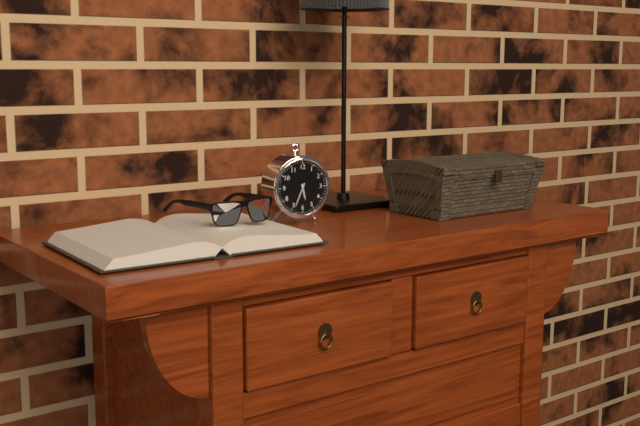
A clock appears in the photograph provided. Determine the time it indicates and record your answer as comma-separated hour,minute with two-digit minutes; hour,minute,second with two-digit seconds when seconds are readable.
5,34
